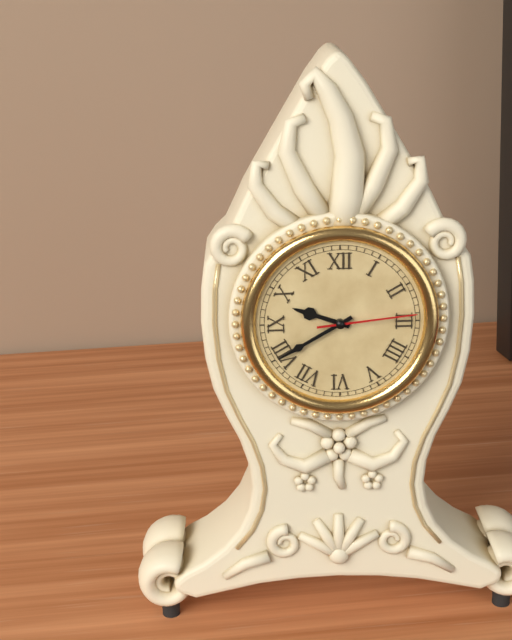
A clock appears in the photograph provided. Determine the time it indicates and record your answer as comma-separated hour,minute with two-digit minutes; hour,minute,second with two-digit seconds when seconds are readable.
9,40,14
